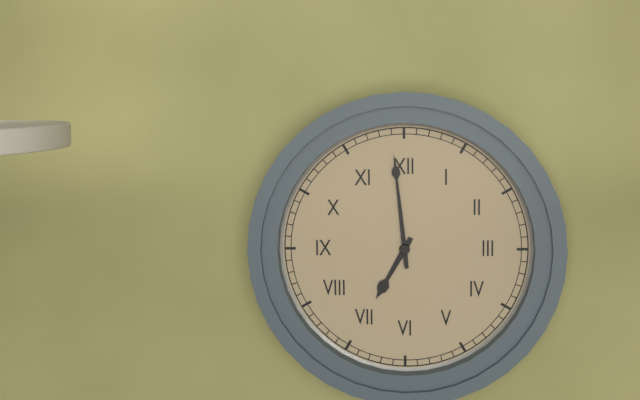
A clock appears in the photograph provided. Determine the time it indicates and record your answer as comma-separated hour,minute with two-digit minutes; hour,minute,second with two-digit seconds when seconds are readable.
6,59
